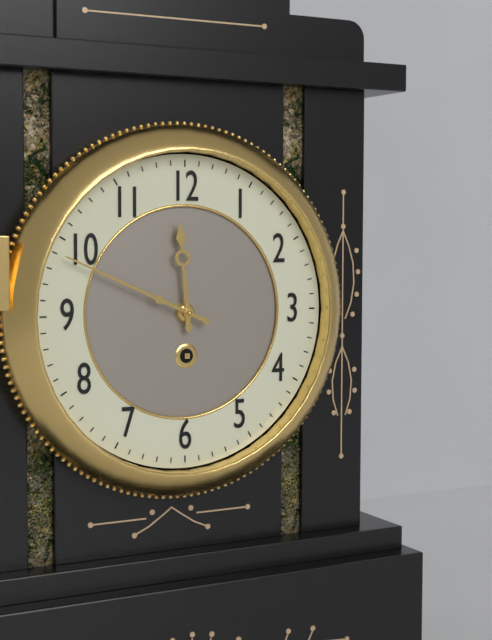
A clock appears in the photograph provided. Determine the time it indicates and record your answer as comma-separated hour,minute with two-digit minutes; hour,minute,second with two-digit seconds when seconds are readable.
11,49
